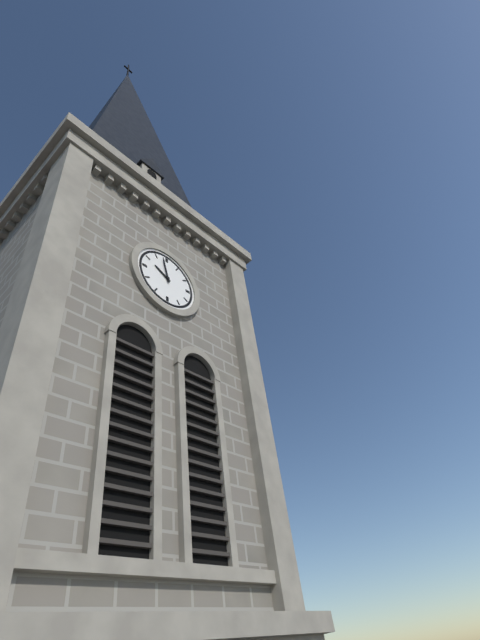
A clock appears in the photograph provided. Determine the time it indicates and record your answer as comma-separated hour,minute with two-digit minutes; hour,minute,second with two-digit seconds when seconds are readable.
9,58
